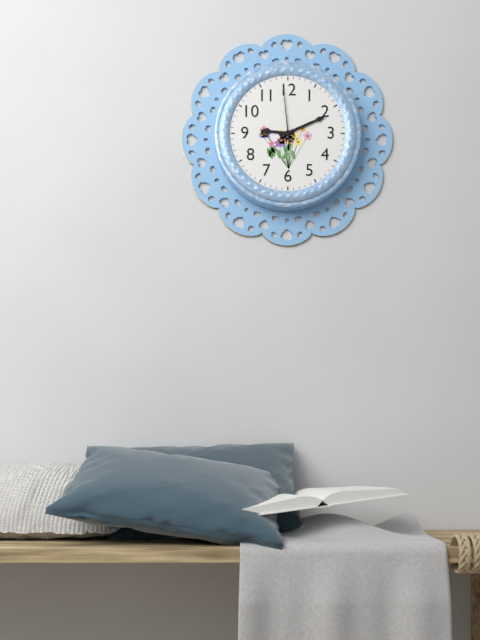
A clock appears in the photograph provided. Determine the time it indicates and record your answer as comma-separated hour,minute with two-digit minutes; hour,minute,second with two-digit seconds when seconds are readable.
9,11,59
